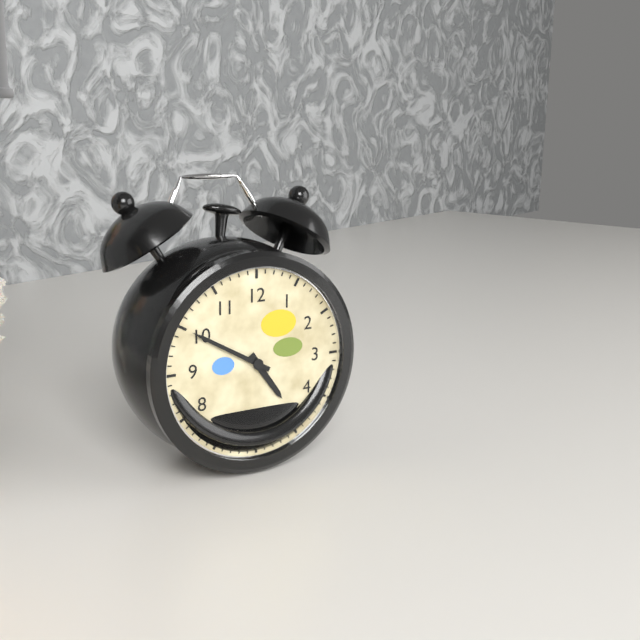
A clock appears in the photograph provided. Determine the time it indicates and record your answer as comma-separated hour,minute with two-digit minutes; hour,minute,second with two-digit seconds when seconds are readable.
4,50
